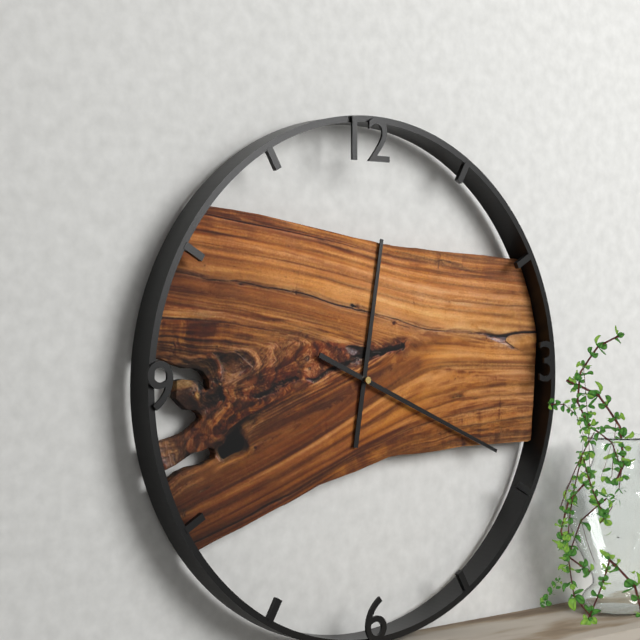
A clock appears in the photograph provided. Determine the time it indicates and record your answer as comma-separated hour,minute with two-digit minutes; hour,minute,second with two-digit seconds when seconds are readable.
12,19
